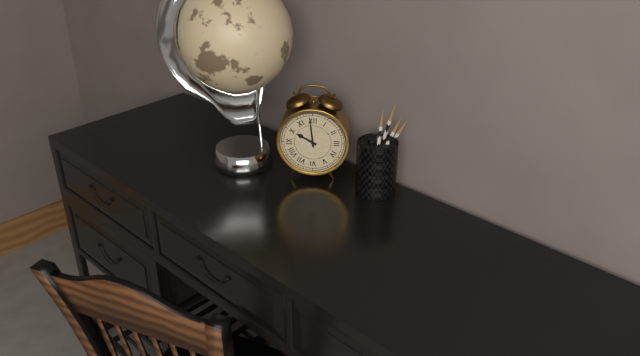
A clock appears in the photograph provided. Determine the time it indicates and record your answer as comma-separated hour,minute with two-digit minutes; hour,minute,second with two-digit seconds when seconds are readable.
9,59
